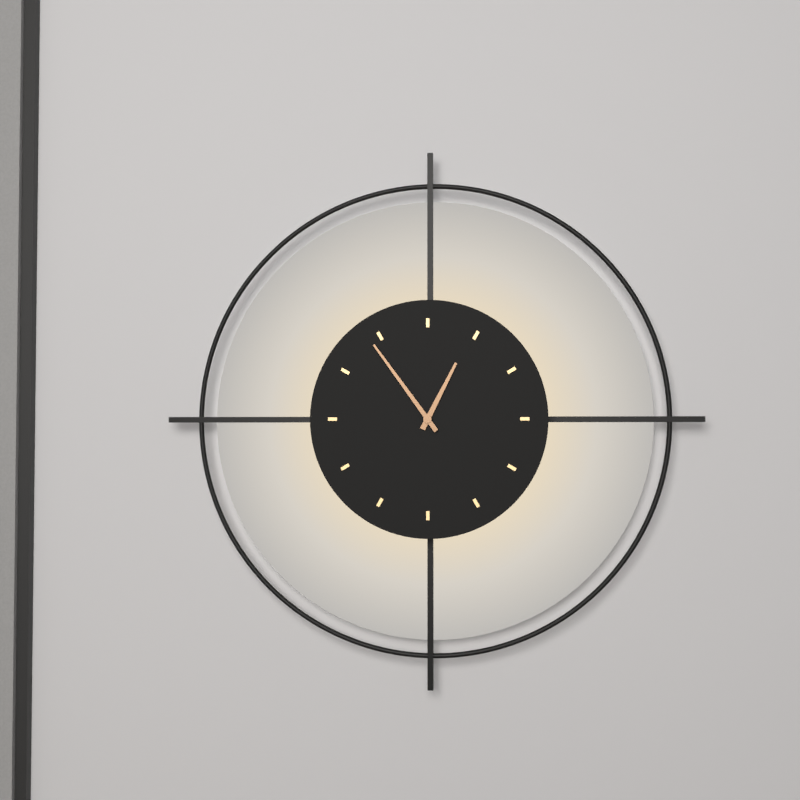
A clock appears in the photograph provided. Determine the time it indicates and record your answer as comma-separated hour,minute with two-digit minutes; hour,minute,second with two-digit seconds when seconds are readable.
12,54
